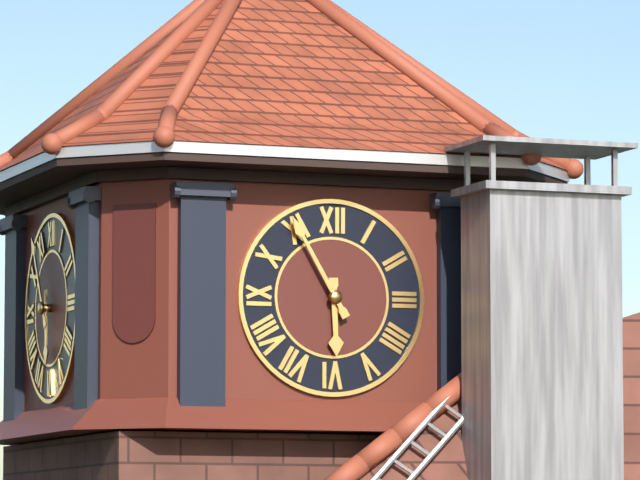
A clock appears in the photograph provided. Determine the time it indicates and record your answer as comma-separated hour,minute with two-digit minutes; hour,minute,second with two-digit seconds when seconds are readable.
5,55
